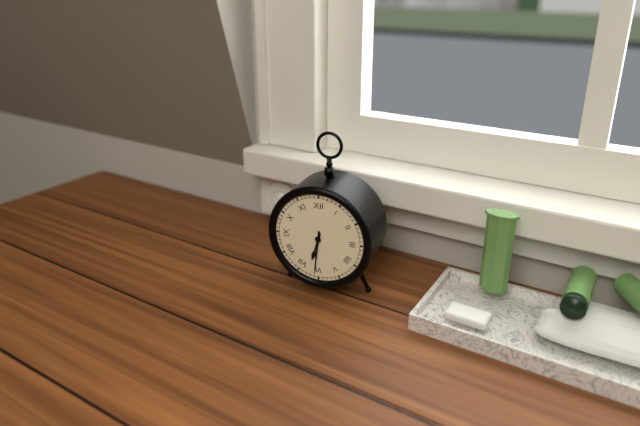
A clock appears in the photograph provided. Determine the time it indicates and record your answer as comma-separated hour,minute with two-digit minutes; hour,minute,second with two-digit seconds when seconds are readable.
6,31
